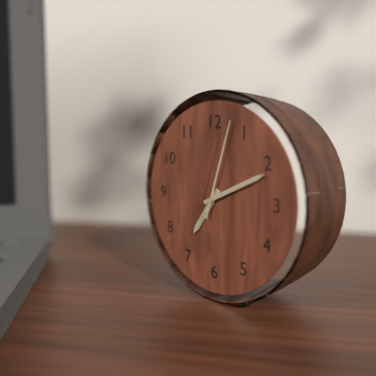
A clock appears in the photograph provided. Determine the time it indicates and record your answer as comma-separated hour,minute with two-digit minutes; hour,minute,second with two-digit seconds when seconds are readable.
7,11,03
